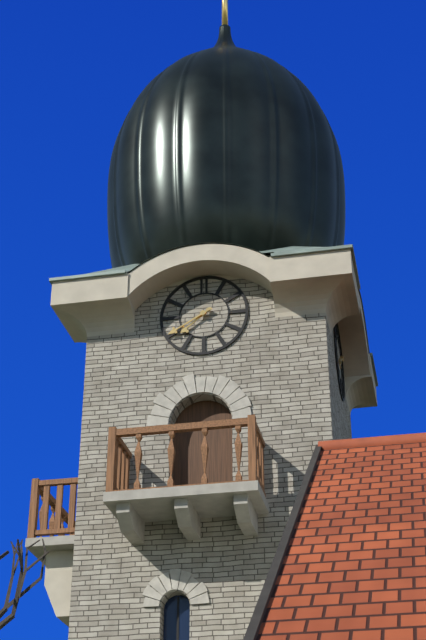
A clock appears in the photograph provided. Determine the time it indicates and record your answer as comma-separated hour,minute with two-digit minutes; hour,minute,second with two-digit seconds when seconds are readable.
7,40
